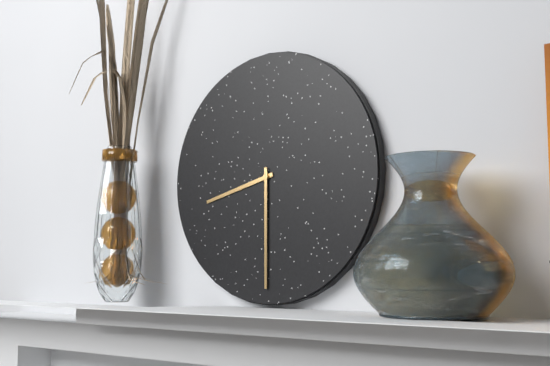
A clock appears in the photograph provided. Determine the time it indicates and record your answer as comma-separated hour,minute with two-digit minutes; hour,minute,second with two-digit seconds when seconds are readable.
8,30
